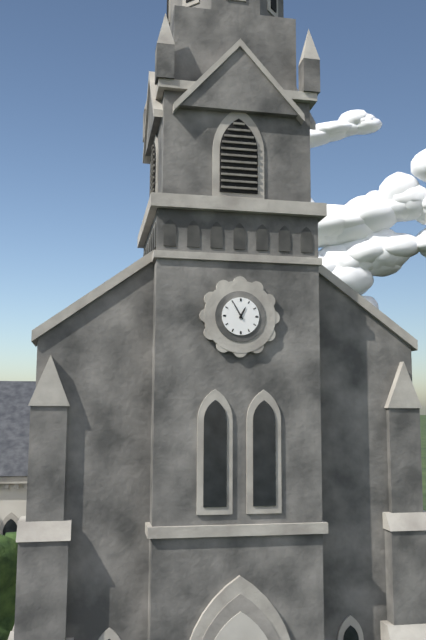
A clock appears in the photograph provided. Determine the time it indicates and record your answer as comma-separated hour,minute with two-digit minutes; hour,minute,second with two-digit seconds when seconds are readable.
12,55
